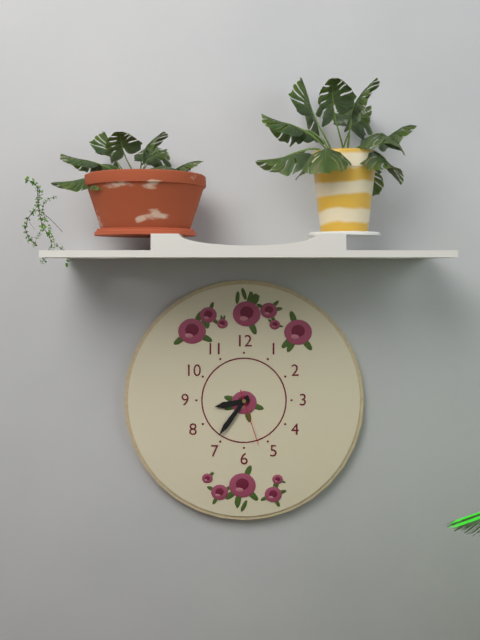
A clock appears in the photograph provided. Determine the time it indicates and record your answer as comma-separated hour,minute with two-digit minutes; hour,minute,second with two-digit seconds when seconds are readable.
8,36,27
